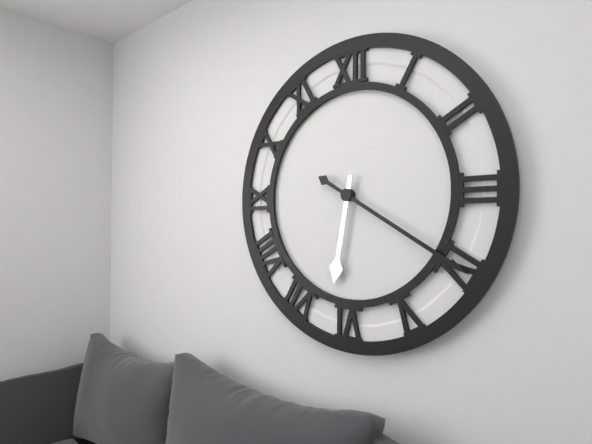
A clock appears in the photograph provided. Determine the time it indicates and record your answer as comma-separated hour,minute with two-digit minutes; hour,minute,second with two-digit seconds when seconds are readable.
6,20
